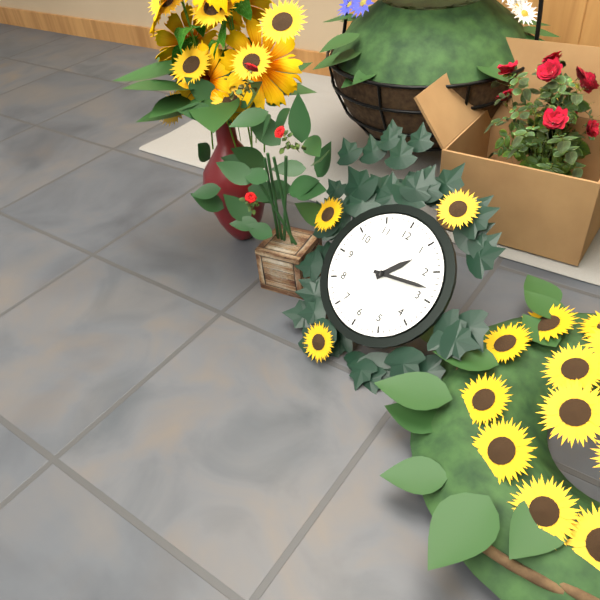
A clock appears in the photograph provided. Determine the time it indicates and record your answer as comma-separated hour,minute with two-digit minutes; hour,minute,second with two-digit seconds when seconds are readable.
1,13
